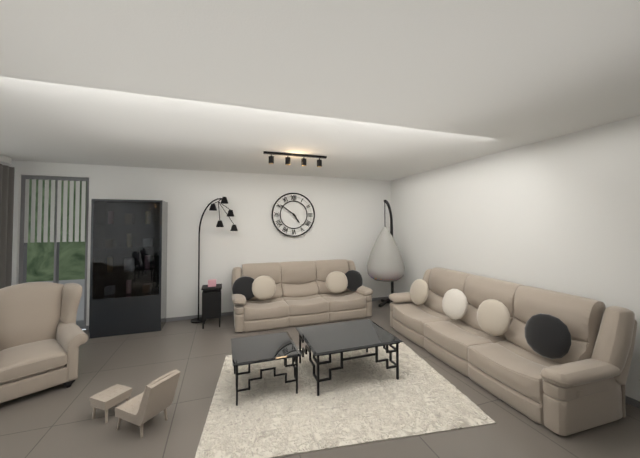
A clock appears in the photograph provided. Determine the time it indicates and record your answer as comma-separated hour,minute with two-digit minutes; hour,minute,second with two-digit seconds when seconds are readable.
4,51
